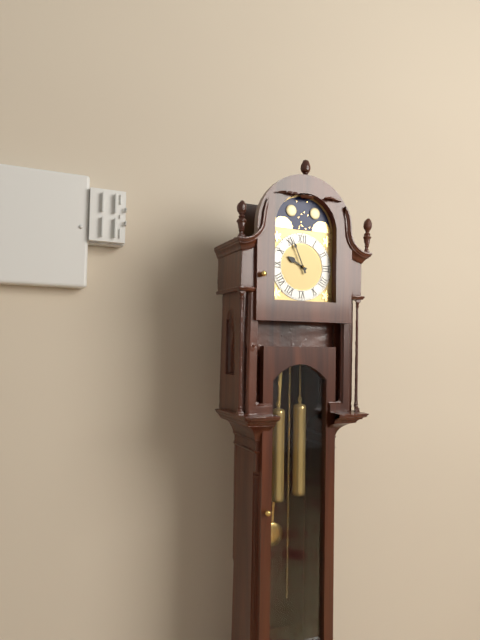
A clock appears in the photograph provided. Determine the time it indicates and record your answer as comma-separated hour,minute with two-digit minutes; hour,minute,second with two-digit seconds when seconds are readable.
9,56
